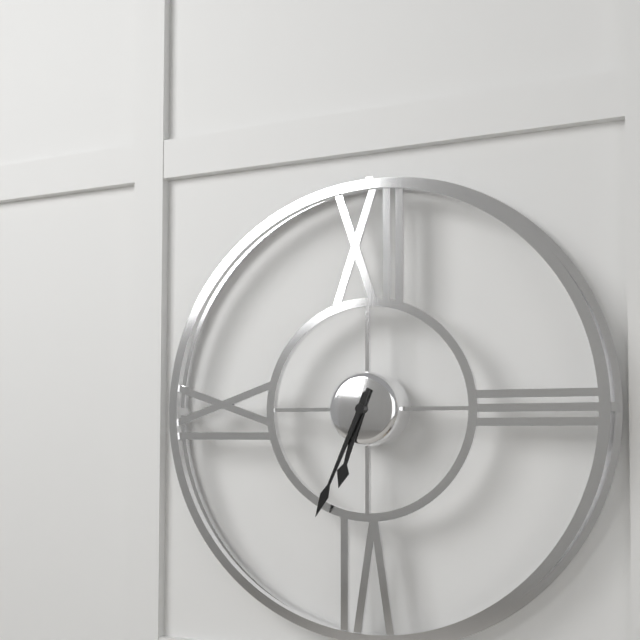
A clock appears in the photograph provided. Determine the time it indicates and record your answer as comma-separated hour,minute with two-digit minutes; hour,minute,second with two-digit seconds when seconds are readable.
6,34
